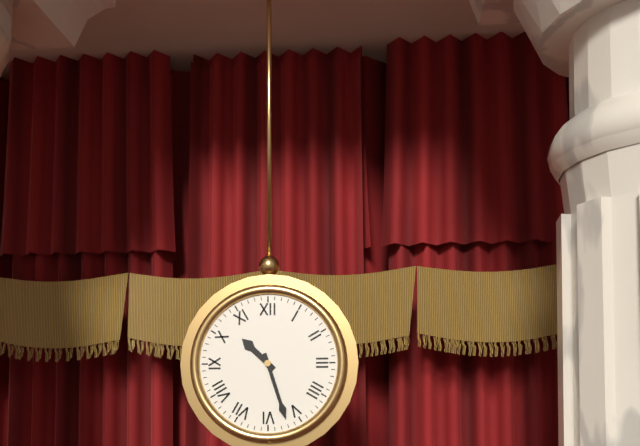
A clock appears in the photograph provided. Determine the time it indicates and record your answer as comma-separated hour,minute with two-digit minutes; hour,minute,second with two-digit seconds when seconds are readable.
10,27
